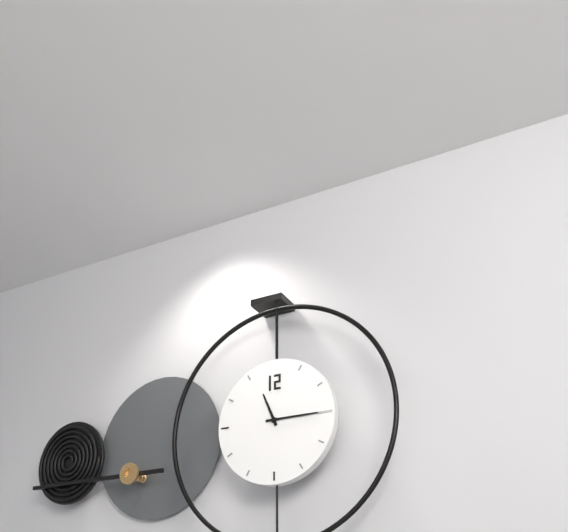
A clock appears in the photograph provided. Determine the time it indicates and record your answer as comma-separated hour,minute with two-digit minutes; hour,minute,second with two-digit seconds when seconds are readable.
11,15
